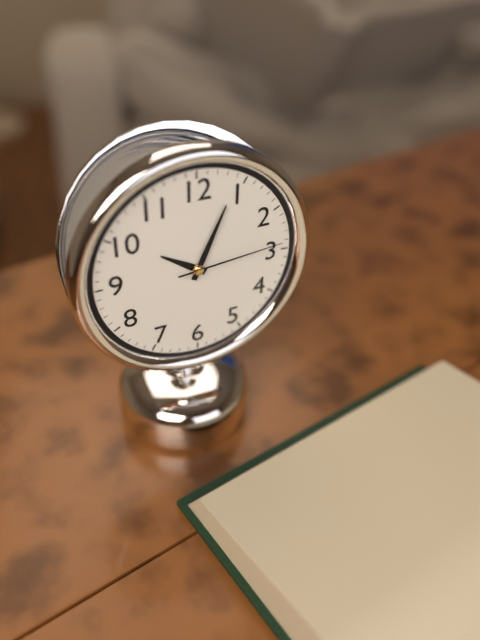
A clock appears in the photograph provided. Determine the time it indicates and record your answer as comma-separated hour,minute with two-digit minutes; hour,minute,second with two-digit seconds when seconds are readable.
10,04,14
